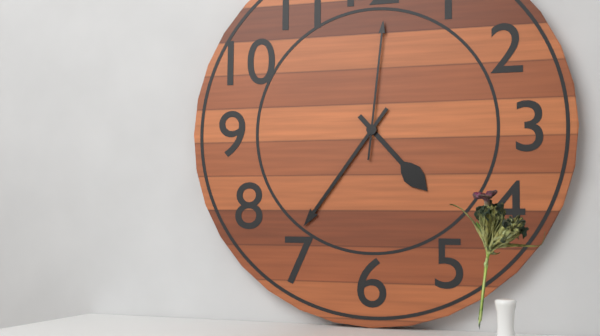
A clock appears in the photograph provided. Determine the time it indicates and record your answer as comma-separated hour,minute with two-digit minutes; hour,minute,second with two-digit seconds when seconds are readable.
4,36,01
